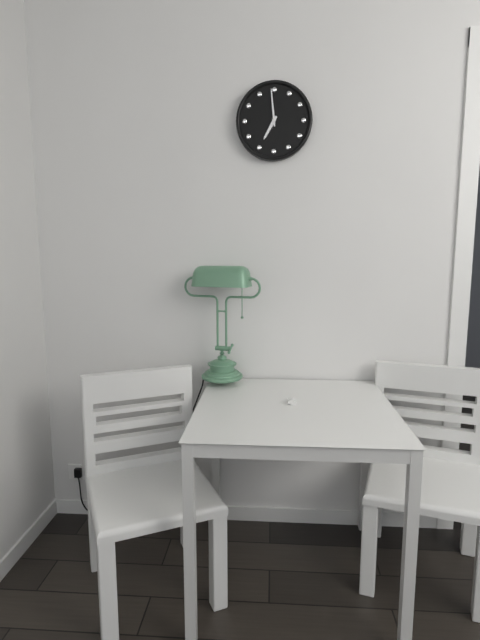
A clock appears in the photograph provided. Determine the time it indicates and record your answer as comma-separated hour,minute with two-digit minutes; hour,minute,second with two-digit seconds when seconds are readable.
6,59
